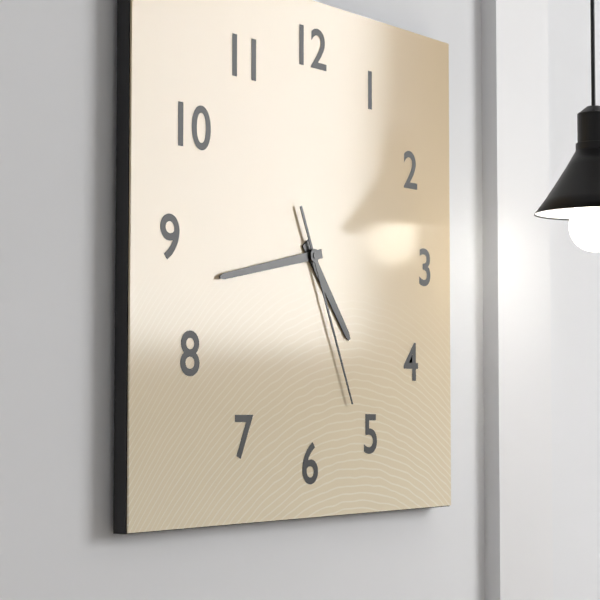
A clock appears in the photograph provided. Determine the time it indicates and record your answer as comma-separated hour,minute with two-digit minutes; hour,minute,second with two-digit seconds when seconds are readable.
4,43,26
